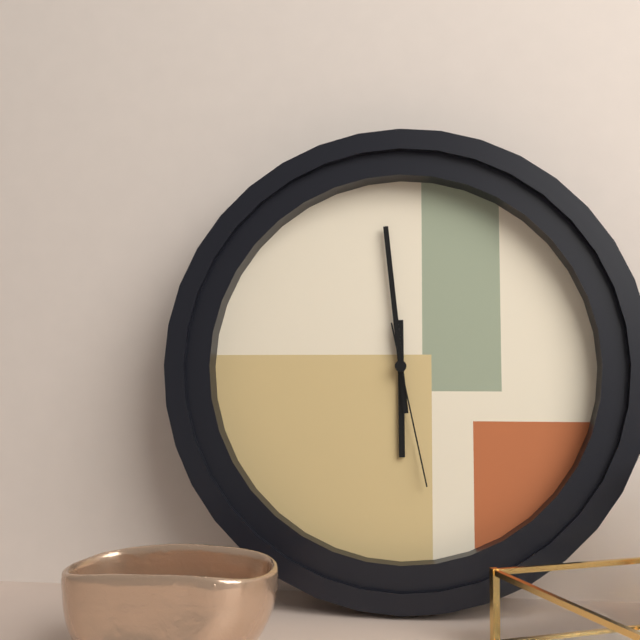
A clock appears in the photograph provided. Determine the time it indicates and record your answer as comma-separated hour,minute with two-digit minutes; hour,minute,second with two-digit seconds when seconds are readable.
5,59,28
